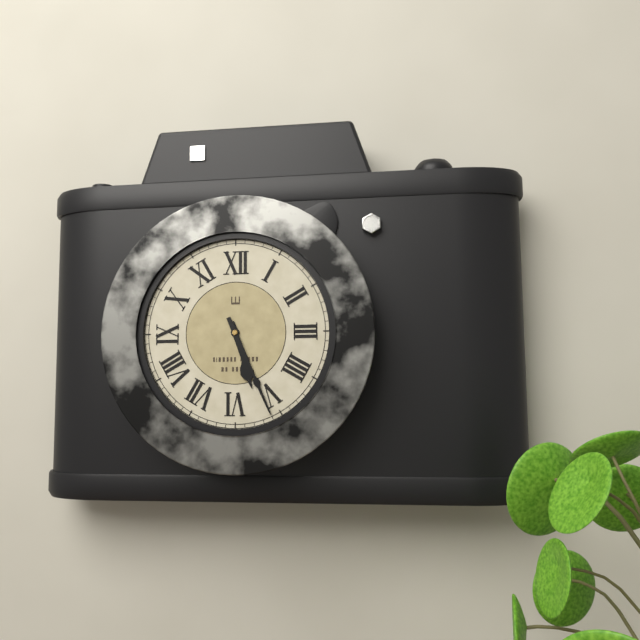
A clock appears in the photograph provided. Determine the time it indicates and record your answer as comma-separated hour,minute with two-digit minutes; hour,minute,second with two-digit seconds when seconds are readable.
5,26
